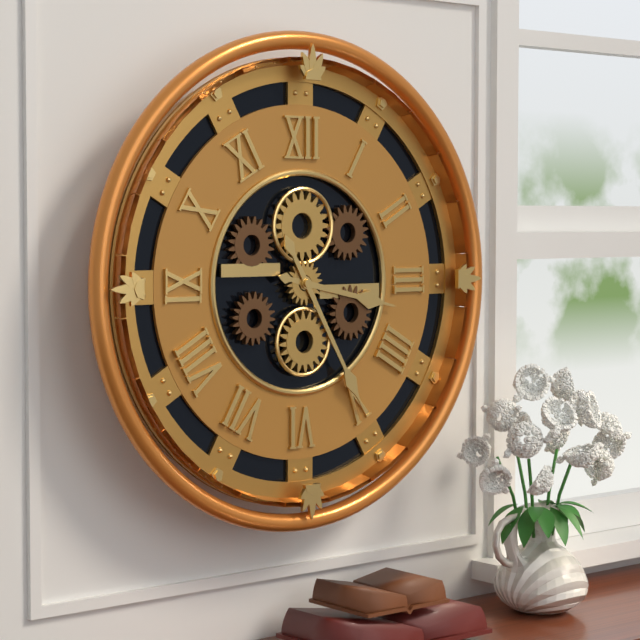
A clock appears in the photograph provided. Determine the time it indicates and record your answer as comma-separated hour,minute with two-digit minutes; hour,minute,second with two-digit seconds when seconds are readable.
3,25
